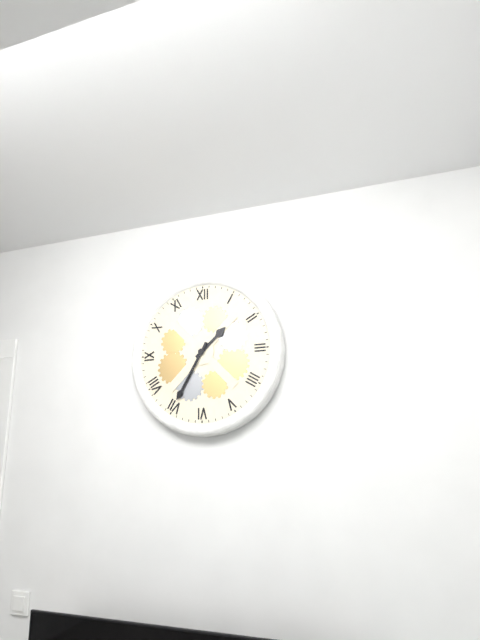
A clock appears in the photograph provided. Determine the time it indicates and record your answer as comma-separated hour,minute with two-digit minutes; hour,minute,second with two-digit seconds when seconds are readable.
1,35
